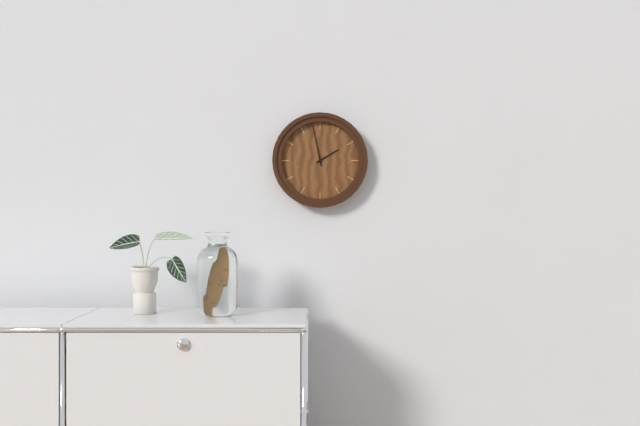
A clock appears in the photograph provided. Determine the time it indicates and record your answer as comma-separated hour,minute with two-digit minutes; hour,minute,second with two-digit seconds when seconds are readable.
1,58
